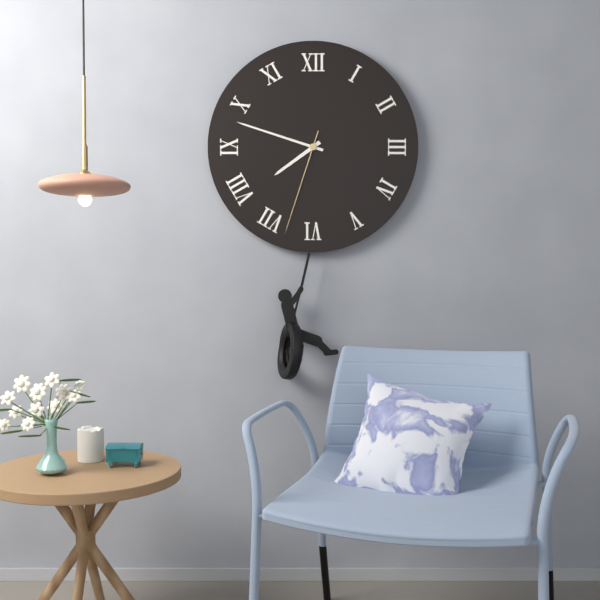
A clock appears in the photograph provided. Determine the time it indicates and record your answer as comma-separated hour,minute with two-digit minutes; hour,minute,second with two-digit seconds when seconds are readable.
7,48,33
